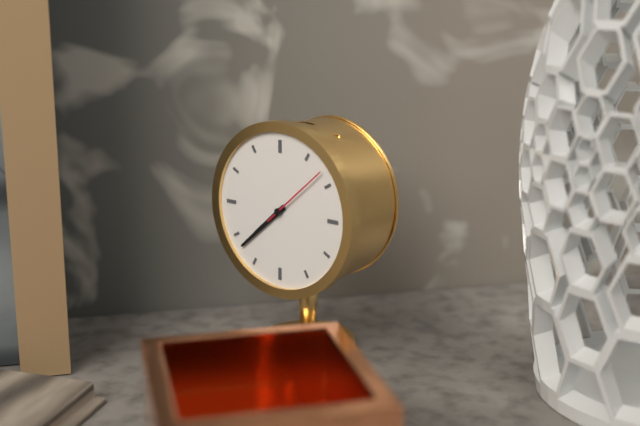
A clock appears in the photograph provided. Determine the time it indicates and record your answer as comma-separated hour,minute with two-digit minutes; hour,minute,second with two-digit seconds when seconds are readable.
7,38,08
